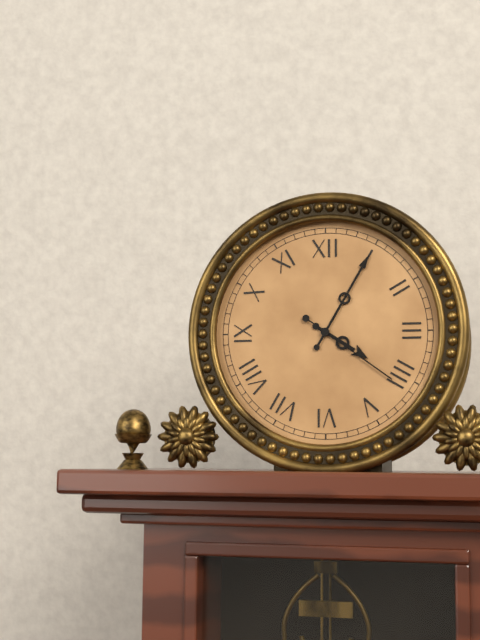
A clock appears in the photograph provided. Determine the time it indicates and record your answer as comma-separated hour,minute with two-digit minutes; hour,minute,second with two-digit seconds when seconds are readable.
4,05,21
